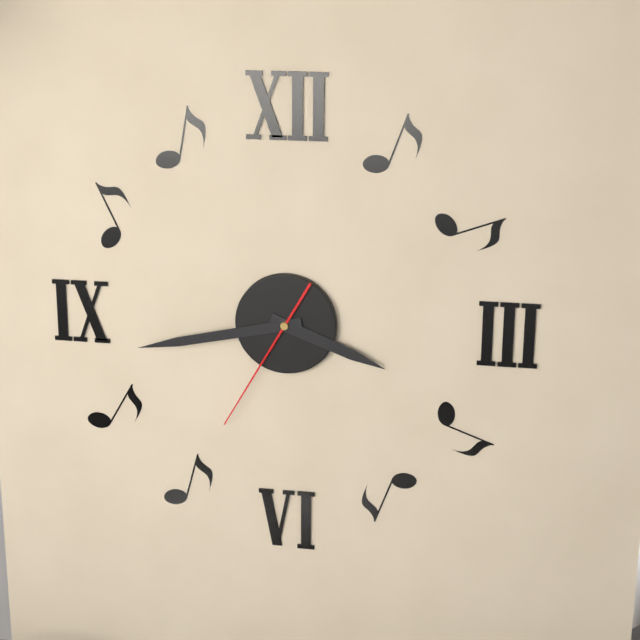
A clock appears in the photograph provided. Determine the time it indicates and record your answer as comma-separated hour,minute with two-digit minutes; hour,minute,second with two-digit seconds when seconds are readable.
3,43,35
